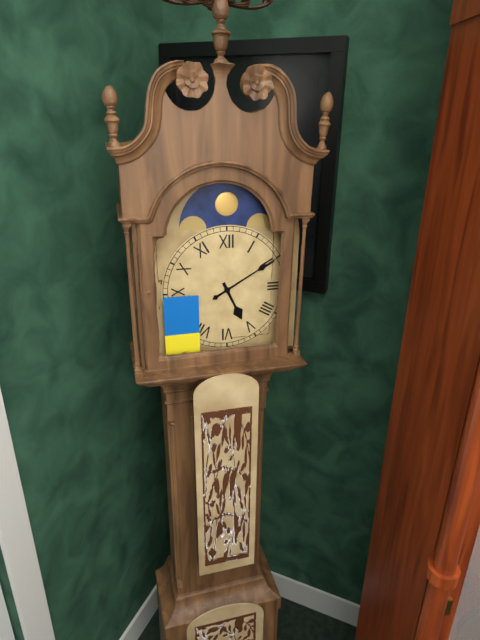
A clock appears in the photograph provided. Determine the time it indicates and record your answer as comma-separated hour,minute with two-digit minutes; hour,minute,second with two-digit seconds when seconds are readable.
5,10
